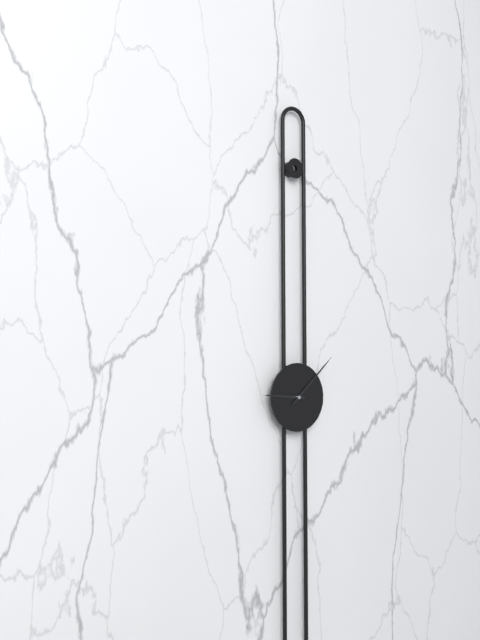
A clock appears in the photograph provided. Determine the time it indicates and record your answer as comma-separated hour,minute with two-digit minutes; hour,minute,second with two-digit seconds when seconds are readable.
9,08
